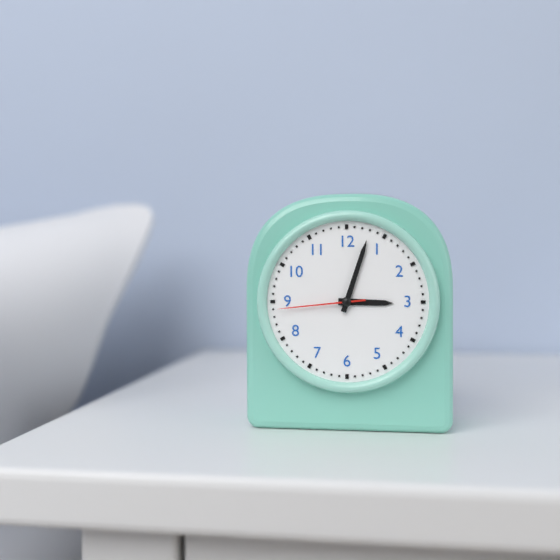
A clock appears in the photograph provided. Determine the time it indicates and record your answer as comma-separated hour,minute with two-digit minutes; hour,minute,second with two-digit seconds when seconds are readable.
3,03,44
